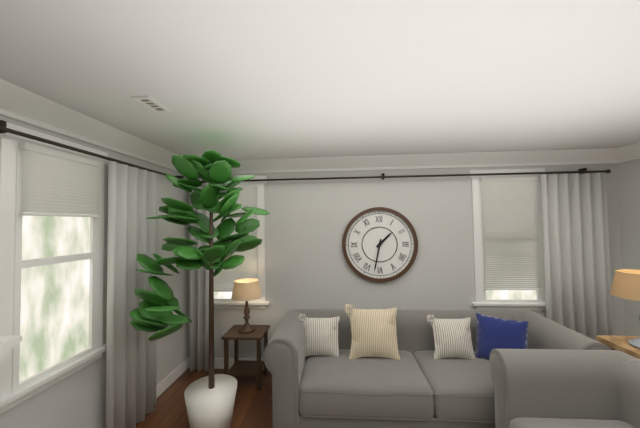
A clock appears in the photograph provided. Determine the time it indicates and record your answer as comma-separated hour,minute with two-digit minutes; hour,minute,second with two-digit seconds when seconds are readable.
1,32
